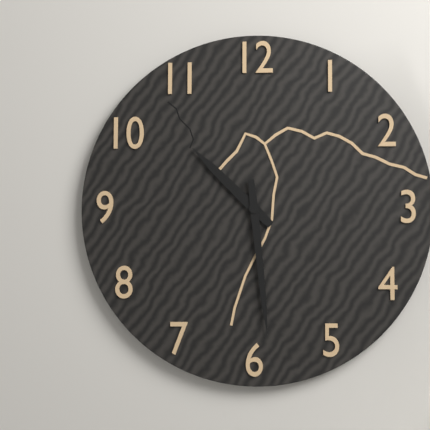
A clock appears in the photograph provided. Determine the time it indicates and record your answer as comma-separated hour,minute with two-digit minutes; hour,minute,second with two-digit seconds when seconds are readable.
10,29
